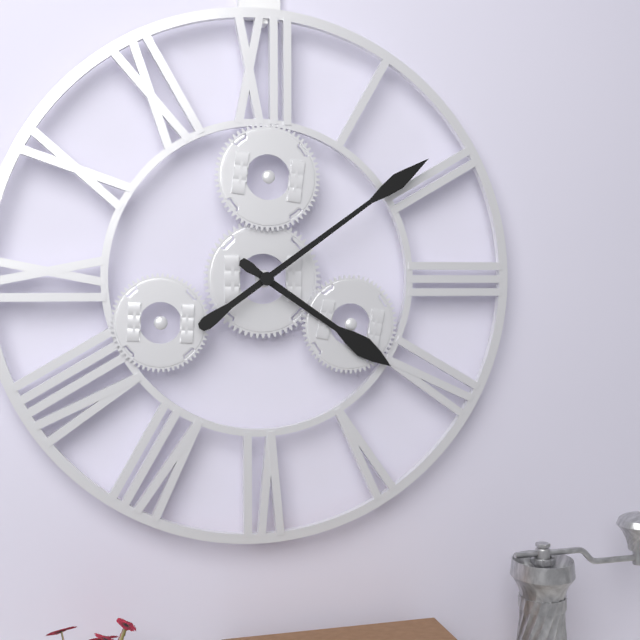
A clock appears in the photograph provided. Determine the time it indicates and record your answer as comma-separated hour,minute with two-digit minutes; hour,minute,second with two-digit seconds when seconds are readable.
4,09
